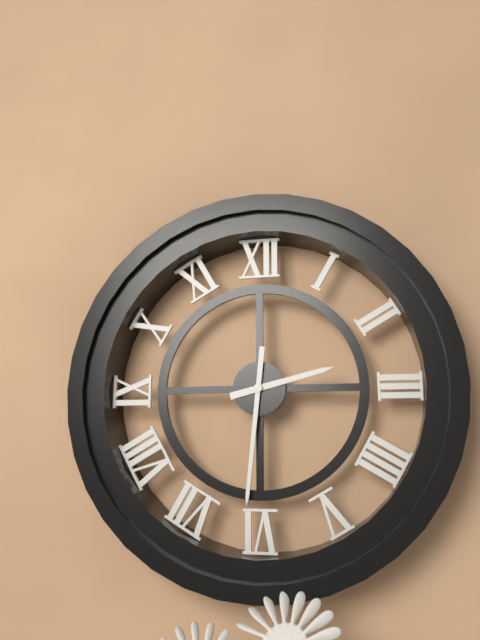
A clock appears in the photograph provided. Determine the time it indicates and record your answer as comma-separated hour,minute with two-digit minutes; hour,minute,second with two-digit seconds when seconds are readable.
2,31
